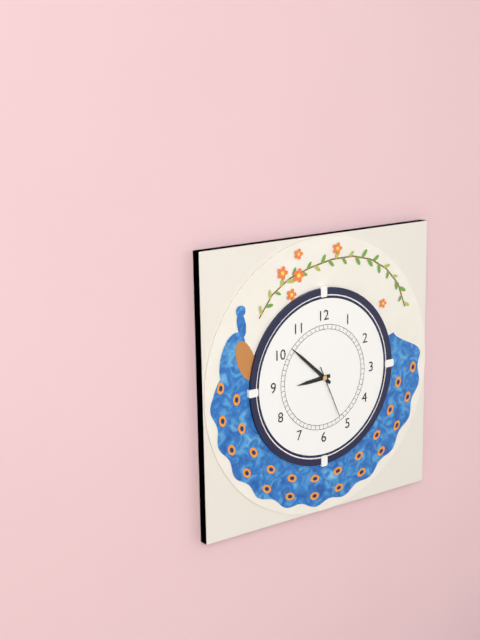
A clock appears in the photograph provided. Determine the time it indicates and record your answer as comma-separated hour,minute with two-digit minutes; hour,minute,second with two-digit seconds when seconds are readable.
8,52,26
